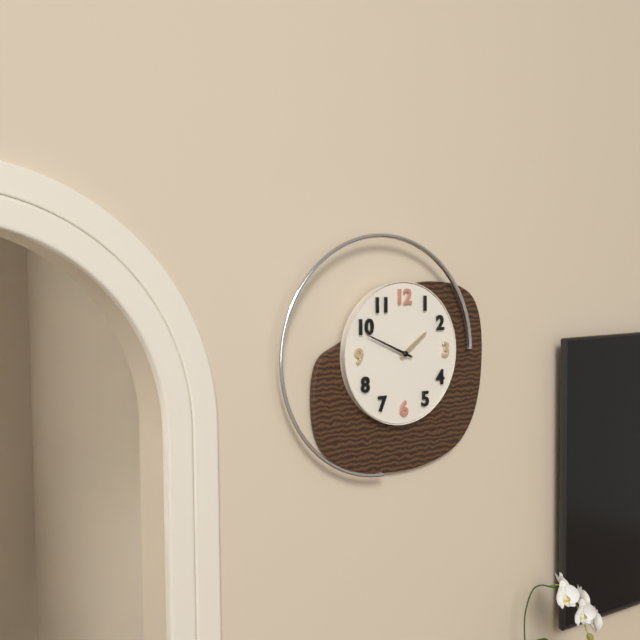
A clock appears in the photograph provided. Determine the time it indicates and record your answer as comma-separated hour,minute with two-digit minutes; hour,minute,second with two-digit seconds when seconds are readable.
1,49
